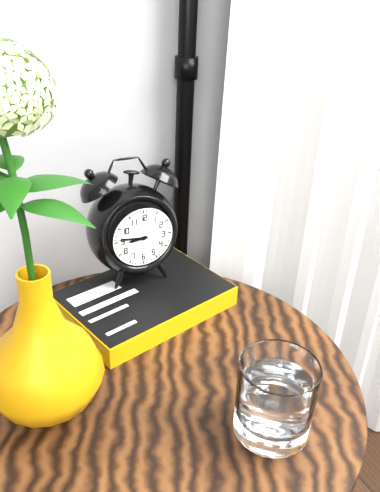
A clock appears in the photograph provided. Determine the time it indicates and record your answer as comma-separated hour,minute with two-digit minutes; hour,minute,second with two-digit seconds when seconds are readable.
8,46
